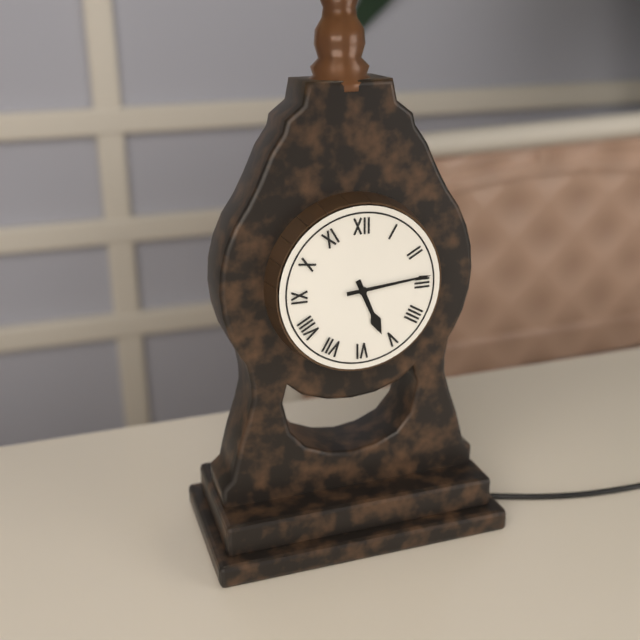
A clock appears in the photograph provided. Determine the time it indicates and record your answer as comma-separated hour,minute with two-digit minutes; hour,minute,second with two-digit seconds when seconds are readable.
5,14
